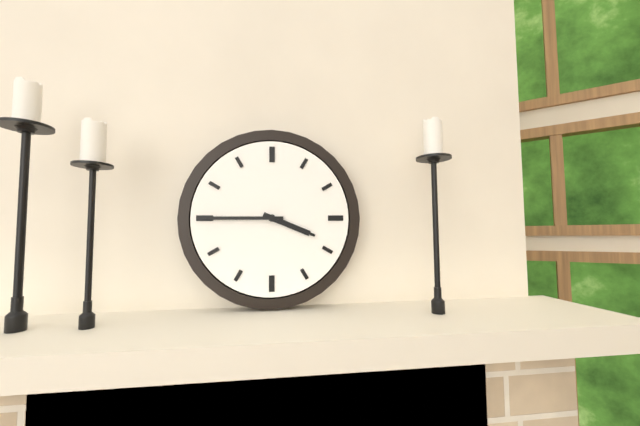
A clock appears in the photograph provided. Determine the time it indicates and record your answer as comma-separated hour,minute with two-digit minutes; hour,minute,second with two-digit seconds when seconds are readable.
3,45
